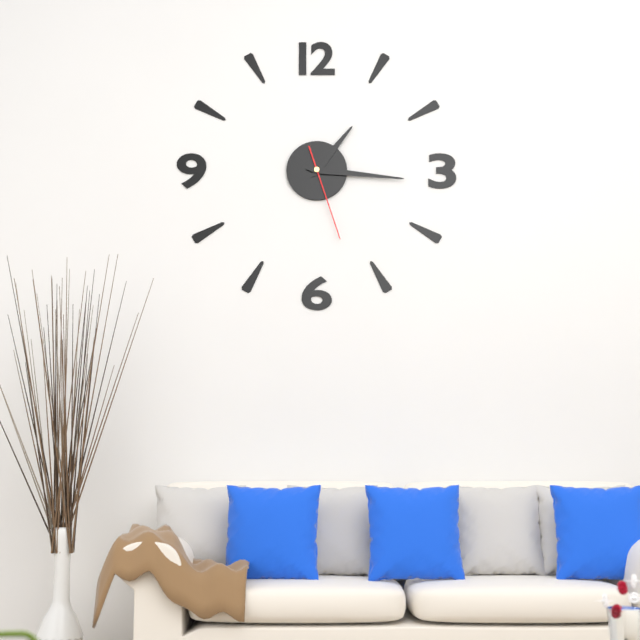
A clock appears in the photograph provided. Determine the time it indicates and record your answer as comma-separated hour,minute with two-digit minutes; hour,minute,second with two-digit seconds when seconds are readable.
1,16,27
